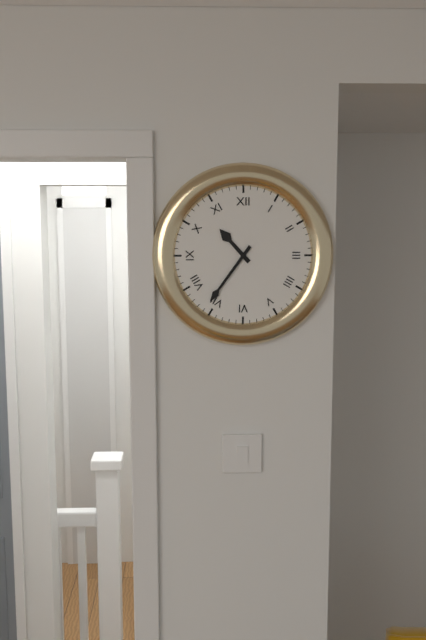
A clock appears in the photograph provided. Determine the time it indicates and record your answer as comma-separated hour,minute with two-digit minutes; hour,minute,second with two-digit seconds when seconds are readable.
10,36
